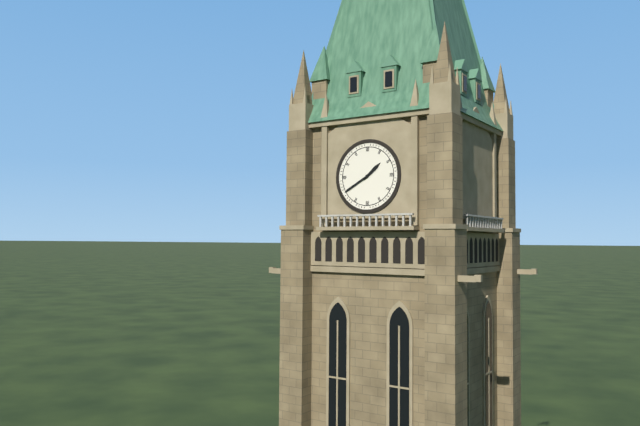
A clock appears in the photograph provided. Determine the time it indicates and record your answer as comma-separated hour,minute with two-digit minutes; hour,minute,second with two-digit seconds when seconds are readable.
1,40
